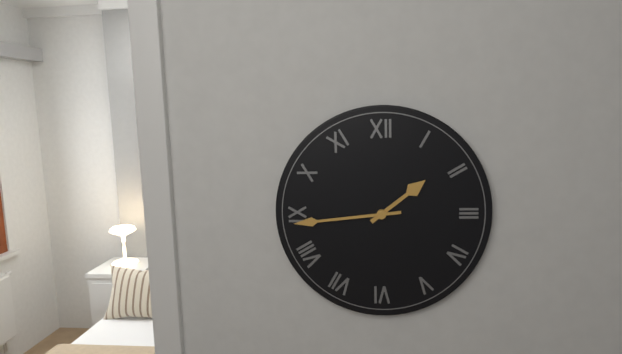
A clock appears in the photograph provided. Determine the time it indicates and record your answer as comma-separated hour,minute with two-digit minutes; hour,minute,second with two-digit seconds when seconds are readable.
1,44
